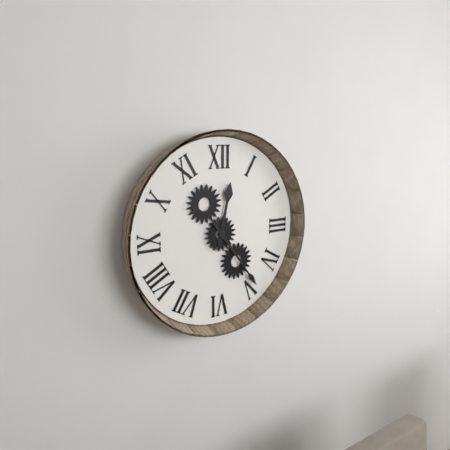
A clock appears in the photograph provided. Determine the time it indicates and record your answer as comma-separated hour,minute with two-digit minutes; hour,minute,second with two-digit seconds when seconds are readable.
12,24
